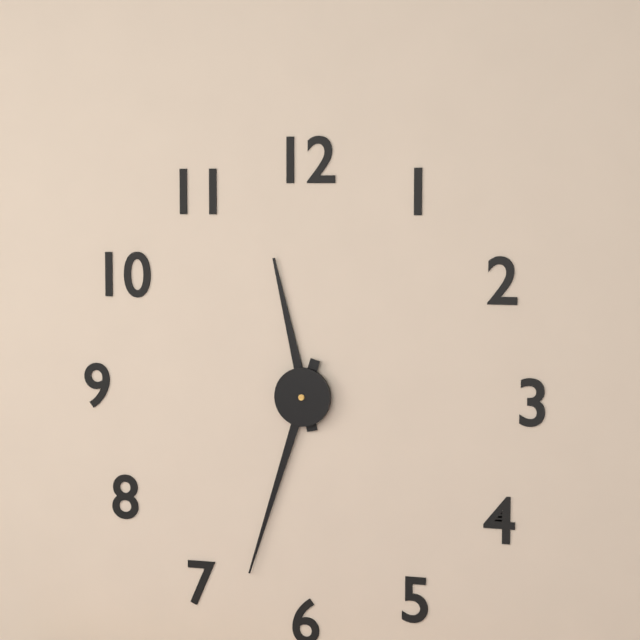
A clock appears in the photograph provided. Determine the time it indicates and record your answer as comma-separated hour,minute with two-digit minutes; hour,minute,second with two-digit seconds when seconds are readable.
11,33
